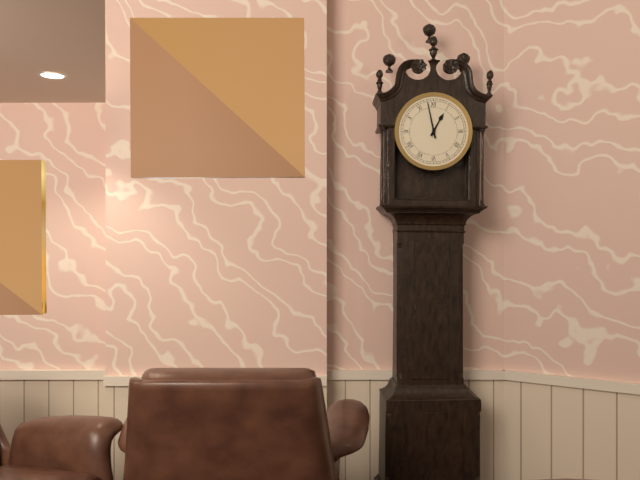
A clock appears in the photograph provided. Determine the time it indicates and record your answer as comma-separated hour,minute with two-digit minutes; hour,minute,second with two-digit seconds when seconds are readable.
12,58
